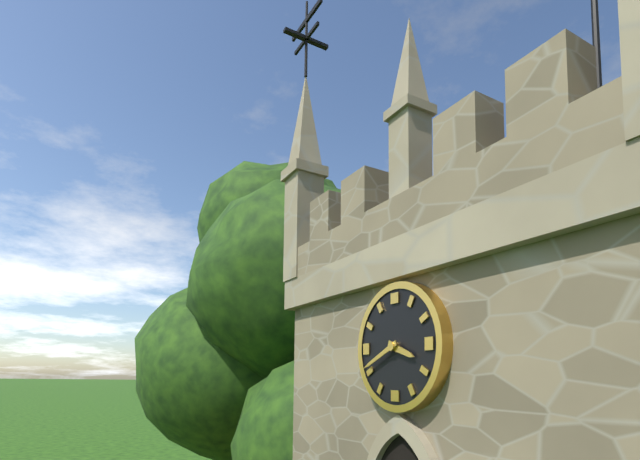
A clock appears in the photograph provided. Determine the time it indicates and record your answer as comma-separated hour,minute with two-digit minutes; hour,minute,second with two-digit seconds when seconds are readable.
3,41
